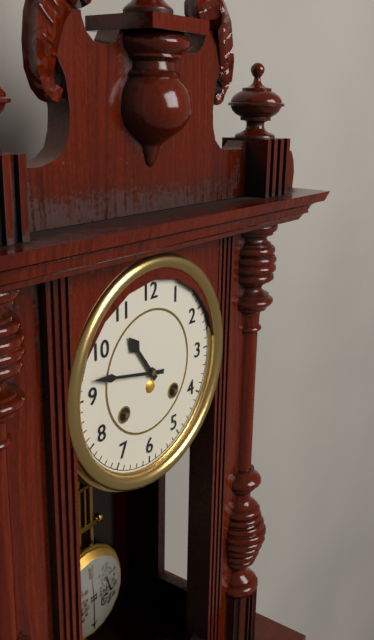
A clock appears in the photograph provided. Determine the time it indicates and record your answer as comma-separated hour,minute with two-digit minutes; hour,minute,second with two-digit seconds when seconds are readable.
10,47
